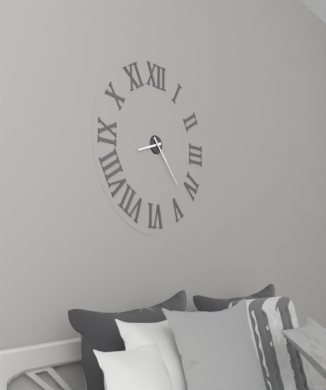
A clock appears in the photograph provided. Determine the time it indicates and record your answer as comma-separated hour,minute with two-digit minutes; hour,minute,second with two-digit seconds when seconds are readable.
8,23
